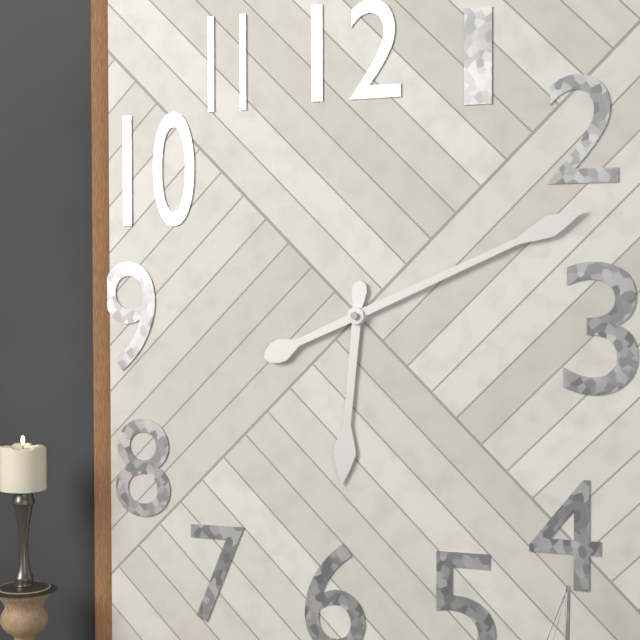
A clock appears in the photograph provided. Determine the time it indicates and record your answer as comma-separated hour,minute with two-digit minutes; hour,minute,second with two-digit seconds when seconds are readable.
6,11
